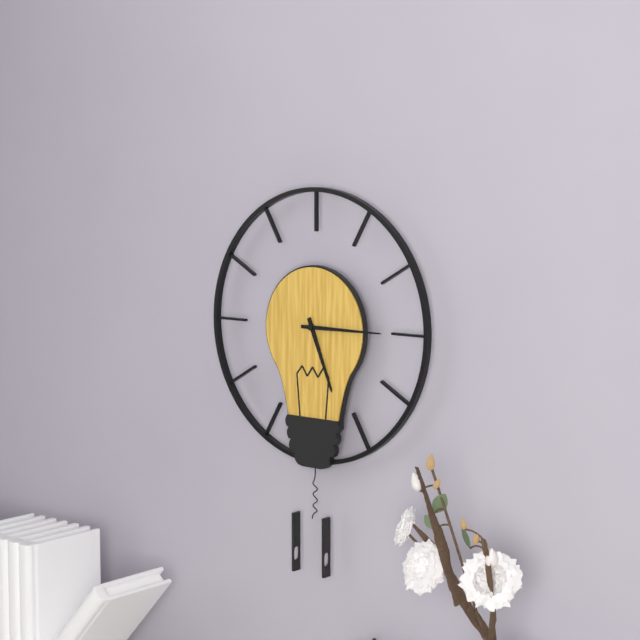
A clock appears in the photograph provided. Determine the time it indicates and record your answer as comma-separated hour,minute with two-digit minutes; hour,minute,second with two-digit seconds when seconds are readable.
5,15
